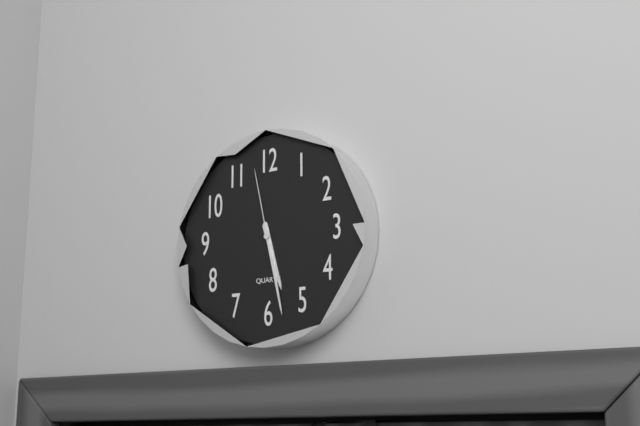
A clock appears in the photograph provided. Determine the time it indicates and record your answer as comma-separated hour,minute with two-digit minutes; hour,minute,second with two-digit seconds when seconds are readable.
5,28,58
